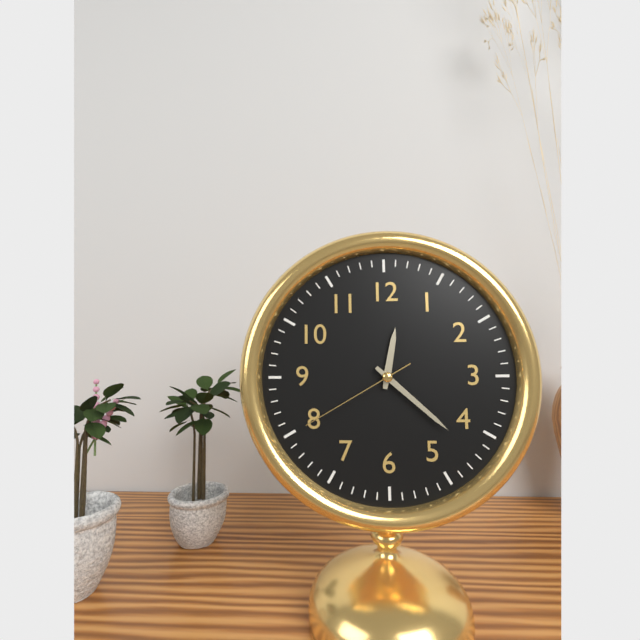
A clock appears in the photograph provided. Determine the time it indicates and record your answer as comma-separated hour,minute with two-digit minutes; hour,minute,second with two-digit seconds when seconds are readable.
12,22,40
